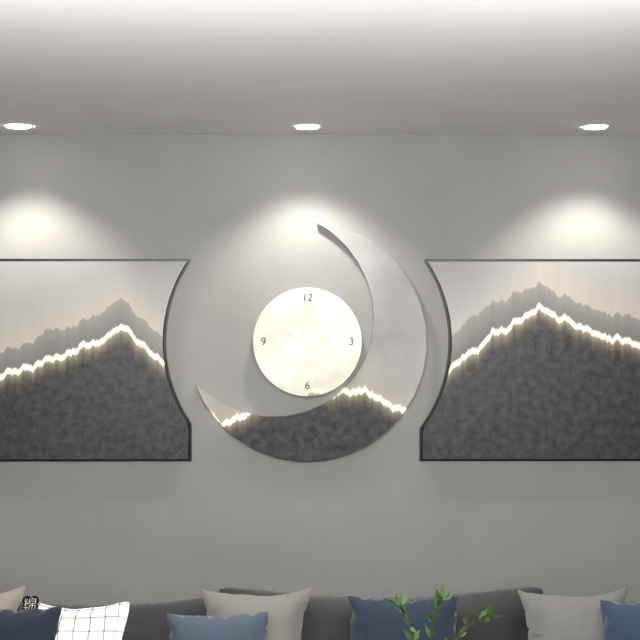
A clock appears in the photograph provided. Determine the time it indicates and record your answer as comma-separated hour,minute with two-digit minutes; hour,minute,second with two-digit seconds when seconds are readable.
9,57
